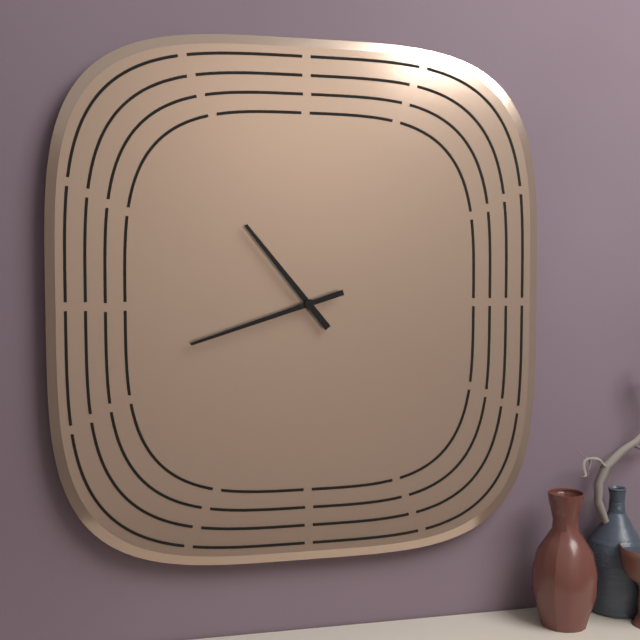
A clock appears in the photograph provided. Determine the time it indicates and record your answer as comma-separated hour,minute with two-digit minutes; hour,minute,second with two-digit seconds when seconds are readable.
10,42
